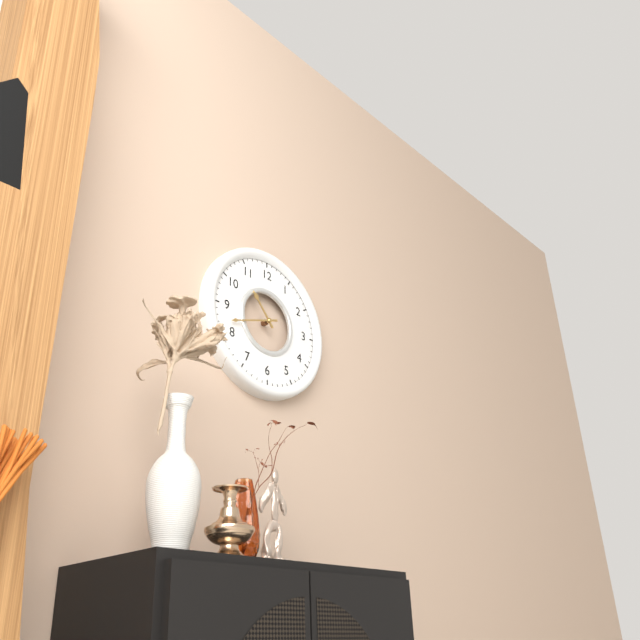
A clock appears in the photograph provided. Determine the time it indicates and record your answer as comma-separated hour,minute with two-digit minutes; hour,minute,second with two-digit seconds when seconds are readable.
10,42
